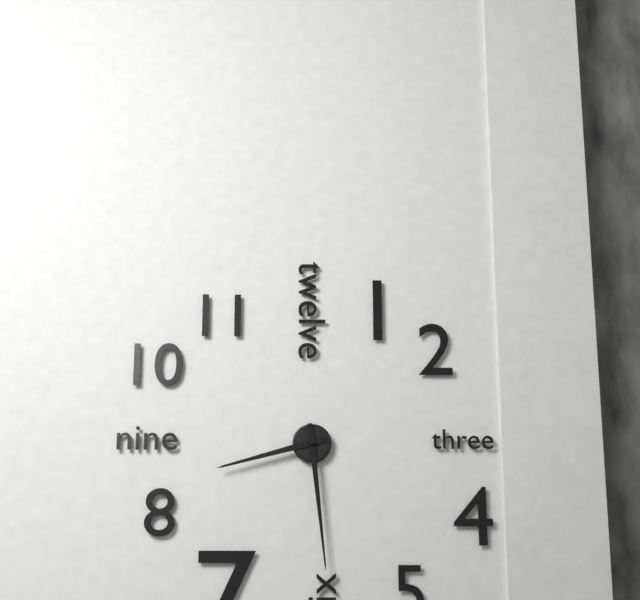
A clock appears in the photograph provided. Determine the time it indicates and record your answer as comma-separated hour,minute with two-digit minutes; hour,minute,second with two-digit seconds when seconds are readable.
8,29
